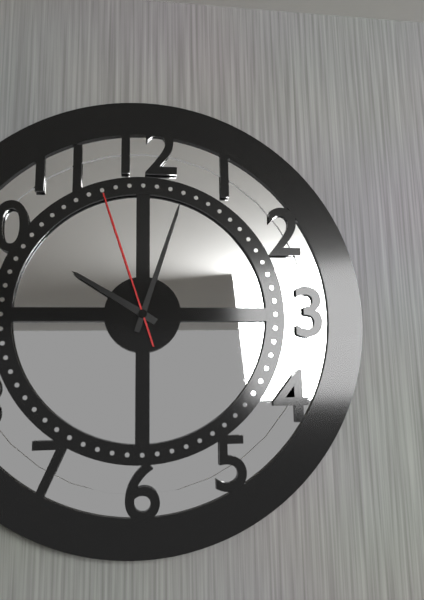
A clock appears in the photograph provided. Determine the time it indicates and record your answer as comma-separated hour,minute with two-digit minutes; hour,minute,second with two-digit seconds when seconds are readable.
10,03,57
